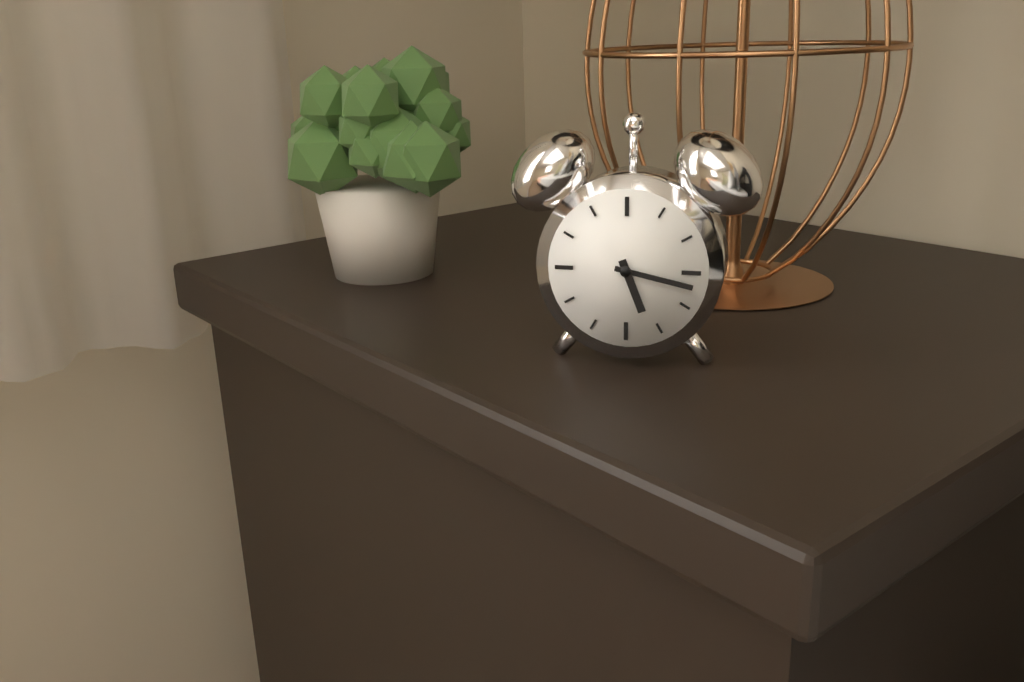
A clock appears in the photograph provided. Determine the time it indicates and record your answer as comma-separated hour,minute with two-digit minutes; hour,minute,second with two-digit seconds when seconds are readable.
5,17
